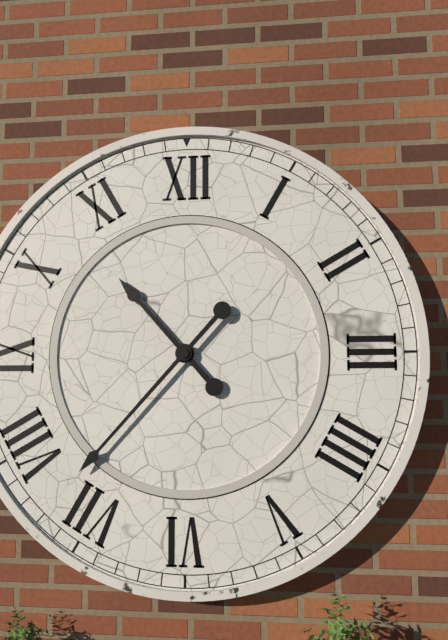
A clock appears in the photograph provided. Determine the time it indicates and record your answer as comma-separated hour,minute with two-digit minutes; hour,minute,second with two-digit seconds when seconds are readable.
10,37
